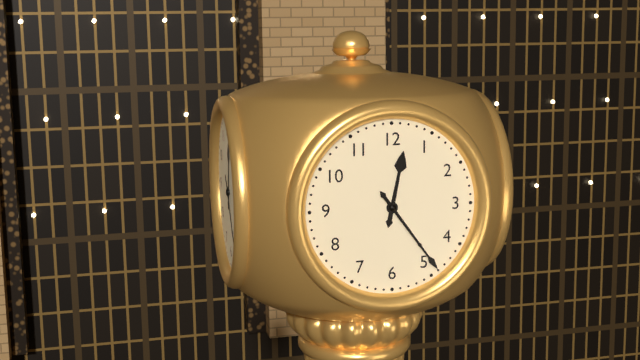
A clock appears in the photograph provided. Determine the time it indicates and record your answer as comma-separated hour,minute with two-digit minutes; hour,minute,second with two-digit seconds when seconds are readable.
12,24
